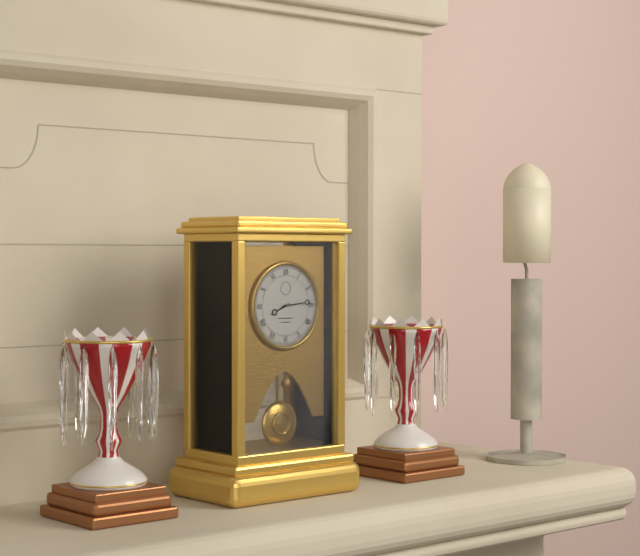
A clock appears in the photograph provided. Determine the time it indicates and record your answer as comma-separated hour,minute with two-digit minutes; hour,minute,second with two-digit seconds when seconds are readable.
8,14
